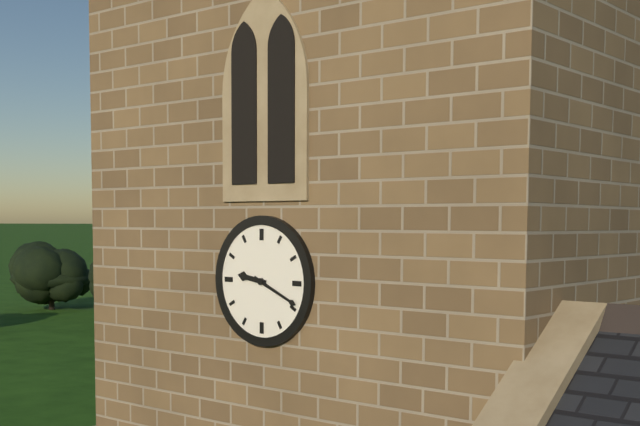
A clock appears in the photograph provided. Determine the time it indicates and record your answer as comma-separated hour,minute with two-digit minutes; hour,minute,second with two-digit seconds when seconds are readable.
9,19
